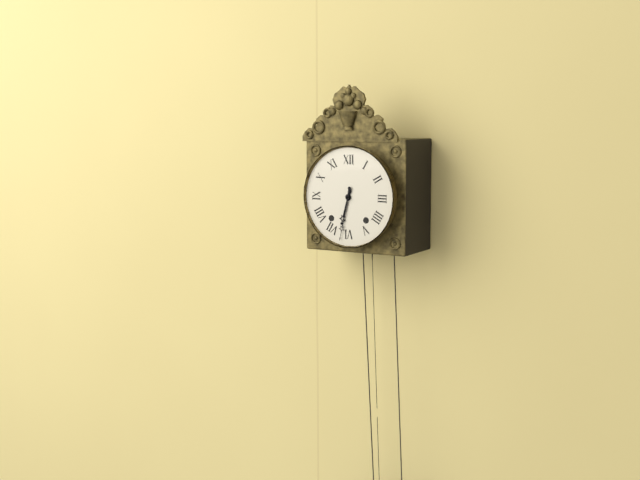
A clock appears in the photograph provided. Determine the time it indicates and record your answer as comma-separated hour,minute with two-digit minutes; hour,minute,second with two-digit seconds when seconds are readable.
6,32
